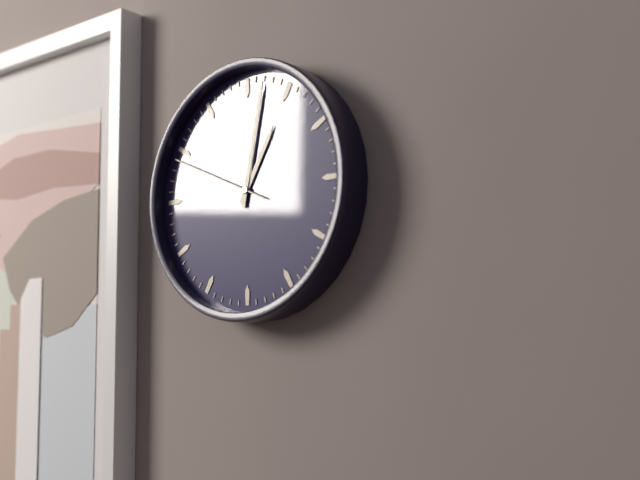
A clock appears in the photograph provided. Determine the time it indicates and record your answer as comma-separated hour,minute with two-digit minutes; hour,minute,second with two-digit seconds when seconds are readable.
1,02,49
